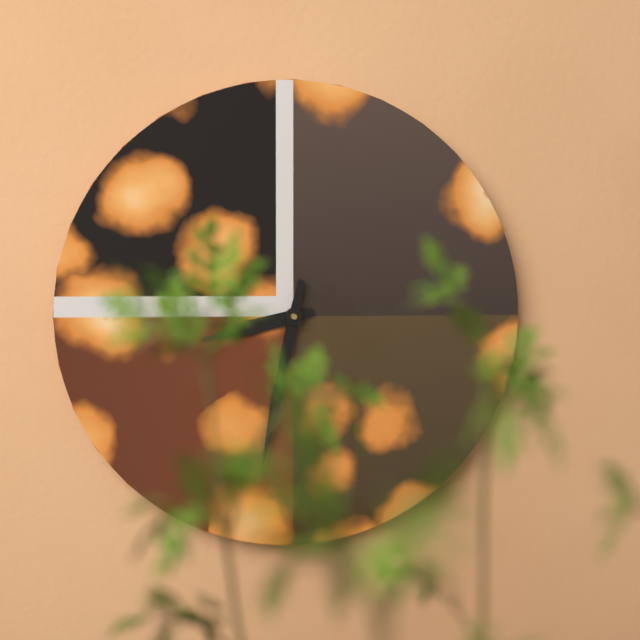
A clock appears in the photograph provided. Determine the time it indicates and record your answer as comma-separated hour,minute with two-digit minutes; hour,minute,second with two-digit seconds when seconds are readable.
8,32
